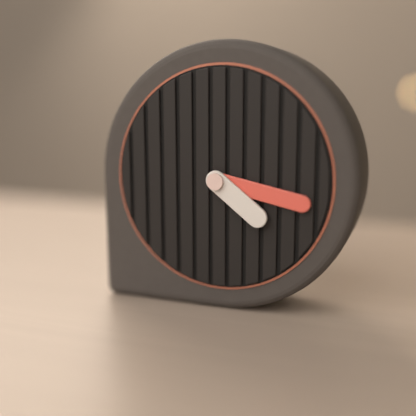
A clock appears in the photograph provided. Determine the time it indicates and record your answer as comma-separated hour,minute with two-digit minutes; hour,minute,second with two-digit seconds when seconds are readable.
4,17
